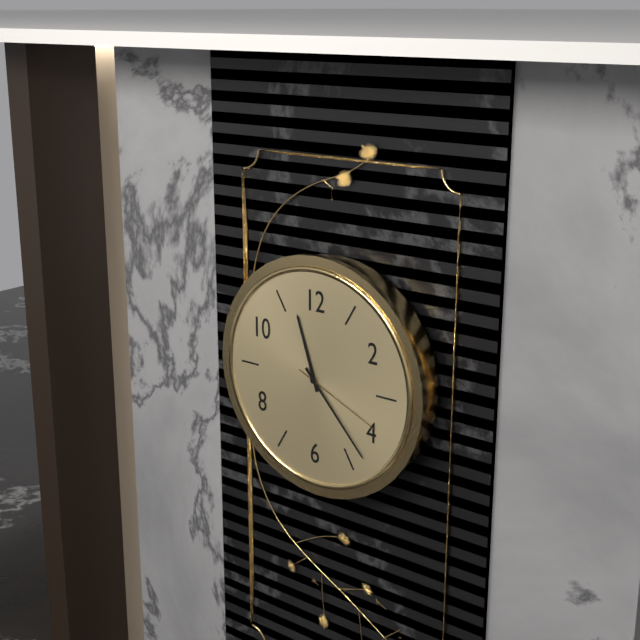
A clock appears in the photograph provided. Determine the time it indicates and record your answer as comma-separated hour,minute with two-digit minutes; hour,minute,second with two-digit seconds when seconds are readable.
11,23,19
